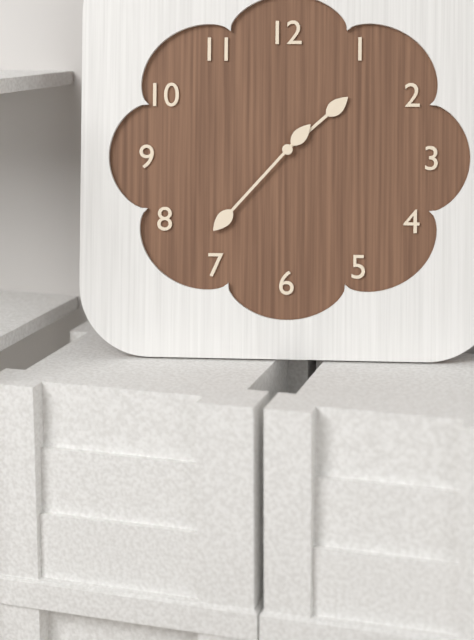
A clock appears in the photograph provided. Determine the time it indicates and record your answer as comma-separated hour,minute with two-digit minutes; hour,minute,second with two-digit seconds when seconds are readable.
1,37
